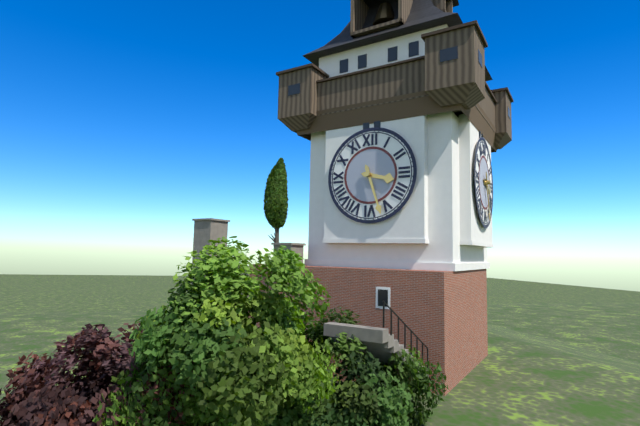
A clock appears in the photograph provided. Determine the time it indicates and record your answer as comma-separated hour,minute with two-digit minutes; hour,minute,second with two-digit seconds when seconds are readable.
3,27
